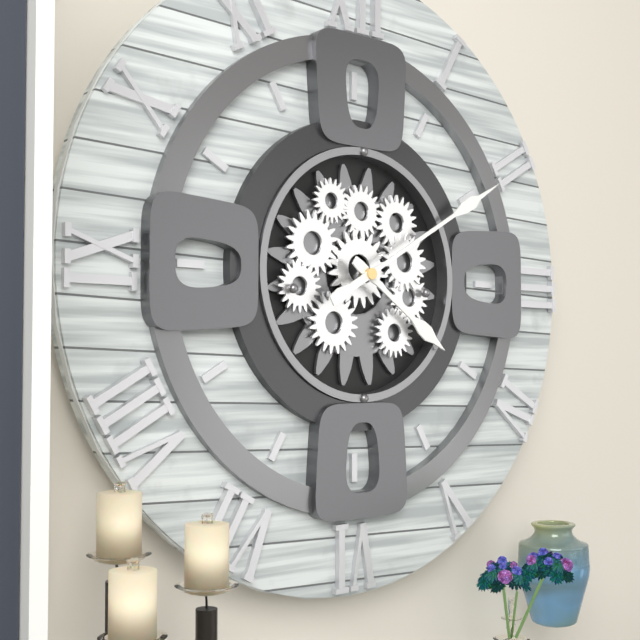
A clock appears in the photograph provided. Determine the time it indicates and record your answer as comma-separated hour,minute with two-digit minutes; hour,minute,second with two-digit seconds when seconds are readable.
4,10
